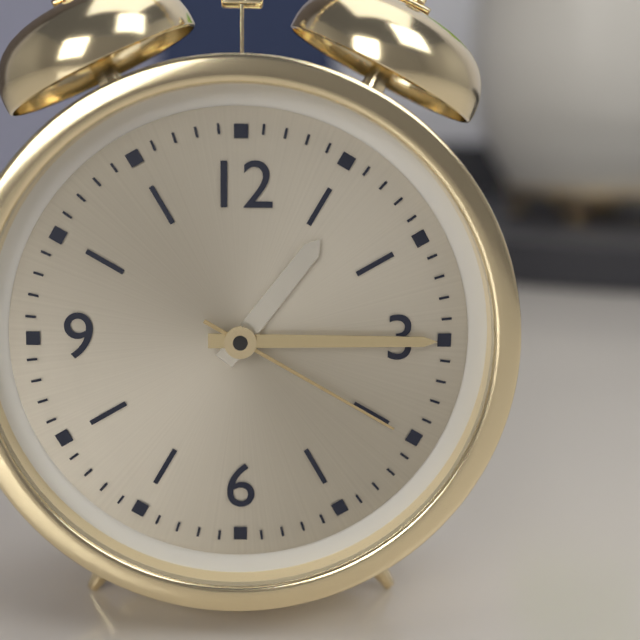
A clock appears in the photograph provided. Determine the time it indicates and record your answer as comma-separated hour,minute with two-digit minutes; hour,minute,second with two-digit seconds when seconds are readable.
1,15,20
